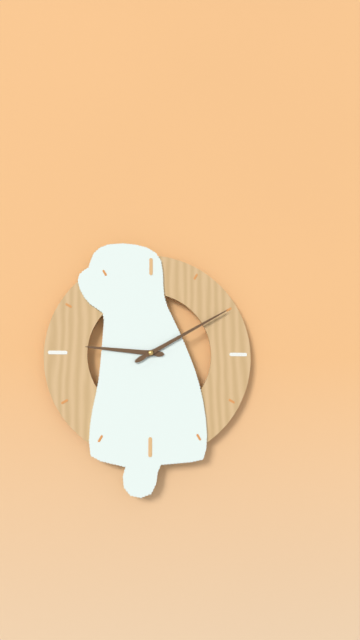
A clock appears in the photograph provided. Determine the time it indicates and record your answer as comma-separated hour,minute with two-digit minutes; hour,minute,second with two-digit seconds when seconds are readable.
9,10
